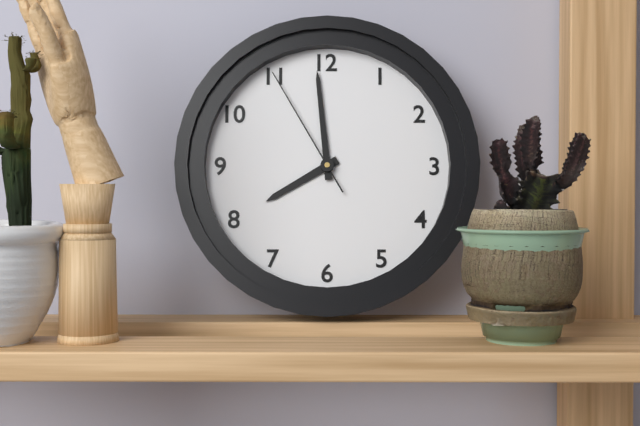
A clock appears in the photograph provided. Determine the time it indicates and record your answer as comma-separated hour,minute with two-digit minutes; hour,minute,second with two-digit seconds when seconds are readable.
7,59,55
